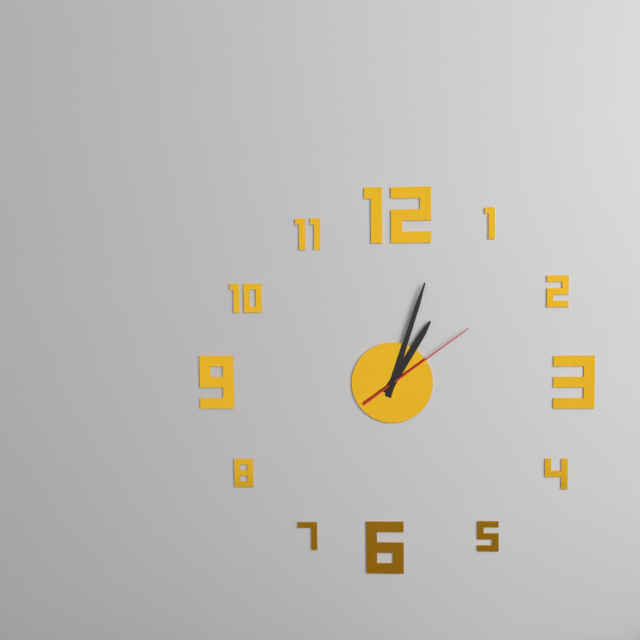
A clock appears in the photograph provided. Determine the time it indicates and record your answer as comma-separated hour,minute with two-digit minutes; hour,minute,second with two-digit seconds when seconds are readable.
1,03,09
